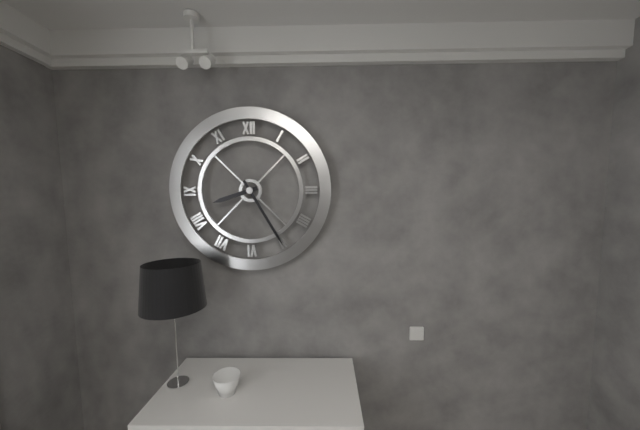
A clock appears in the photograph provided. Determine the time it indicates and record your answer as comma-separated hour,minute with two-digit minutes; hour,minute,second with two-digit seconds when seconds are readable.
8,25
